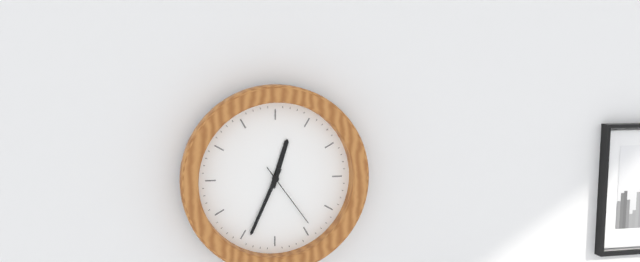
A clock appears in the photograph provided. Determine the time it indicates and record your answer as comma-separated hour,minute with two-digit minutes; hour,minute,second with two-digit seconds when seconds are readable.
12,34,24
